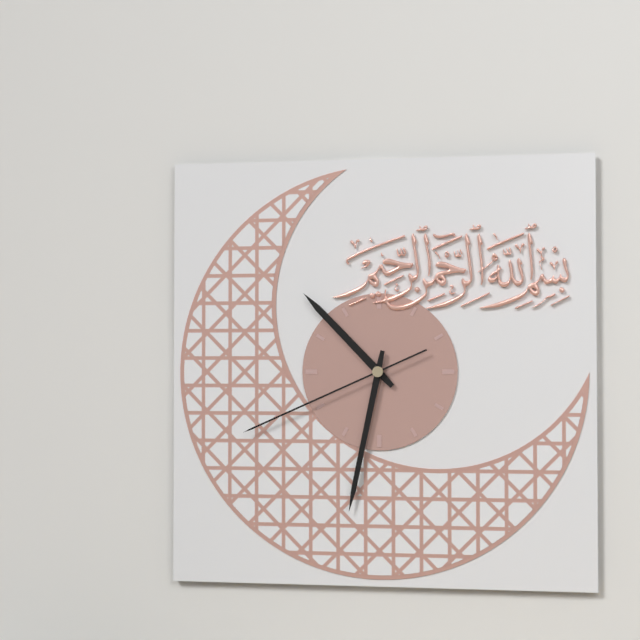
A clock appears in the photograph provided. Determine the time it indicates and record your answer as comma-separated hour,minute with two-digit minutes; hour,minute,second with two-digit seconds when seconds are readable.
10,32,41
